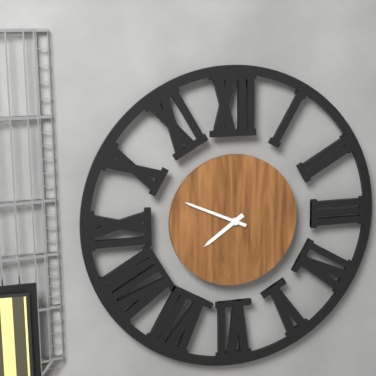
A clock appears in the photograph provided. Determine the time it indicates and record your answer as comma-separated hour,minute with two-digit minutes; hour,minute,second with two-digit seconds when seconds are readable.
7,49
